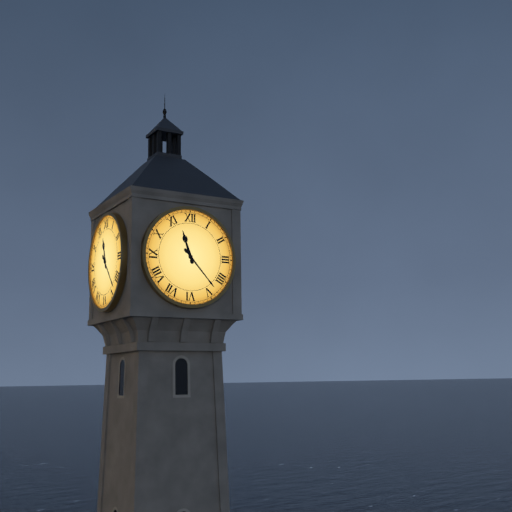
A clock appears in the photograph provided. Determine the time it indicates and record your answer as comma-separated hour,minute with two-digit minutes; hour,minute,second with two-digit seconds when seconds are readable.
11,23
